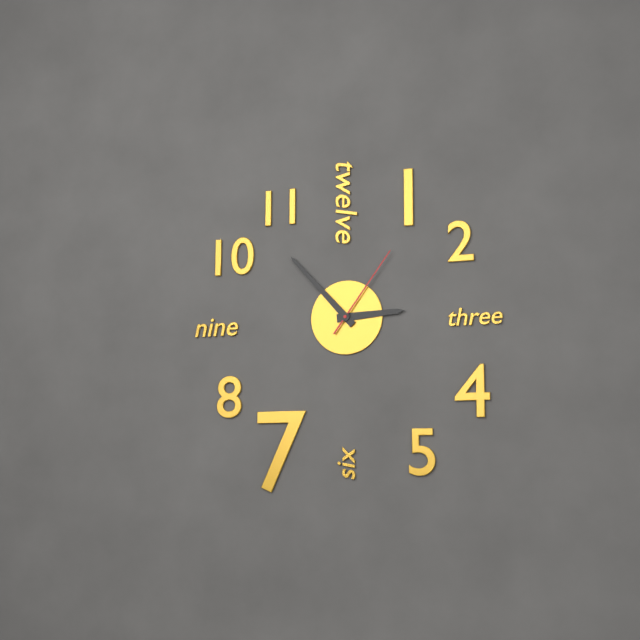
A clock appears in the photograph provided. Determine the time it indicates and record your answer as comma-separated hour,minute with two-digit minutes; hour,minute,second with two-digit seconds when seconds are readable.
2,53,06
